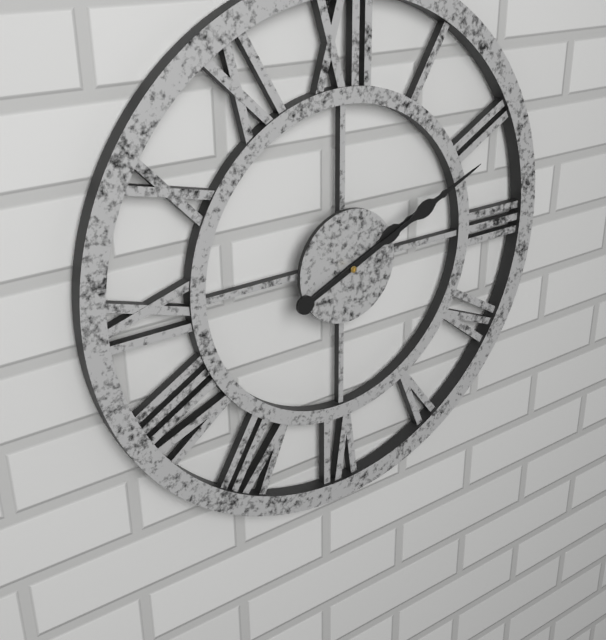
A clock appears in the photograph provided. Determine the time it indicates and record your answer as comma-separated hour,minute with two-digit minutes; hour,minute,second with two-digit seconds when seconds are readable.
2,11
